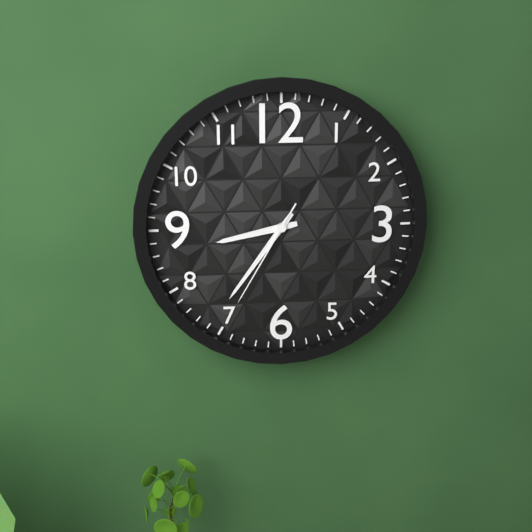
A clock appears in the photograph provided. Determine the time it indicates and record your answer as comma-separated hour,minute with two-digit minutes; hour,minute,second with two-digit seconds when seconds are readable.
8,36,35
